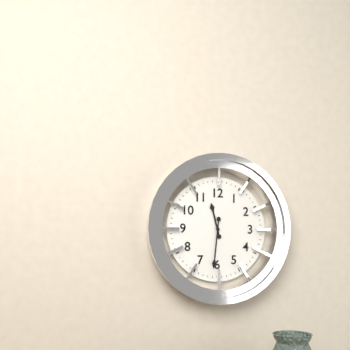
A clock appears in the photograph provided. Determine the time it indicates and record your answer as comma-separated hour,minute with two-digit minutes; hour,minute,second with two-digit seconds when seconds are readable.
11,31
